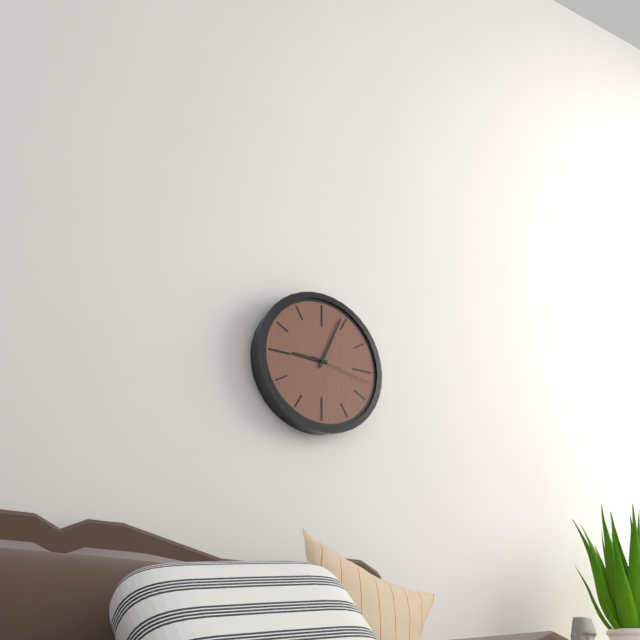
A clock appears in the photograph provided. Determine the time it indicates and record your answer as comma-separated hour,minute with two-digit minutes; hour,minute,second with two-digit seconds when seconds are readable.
9,04,17
